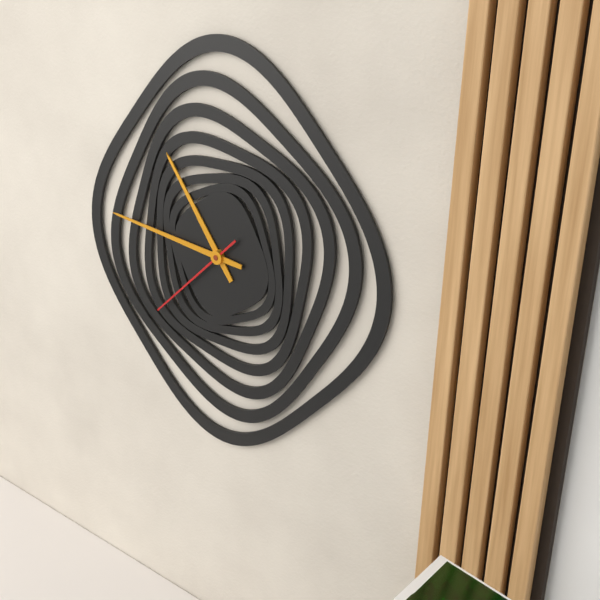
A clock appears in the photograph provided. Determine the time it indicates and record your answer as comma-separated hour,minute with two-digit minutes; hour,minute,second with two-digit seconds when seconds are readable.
10,46,38
